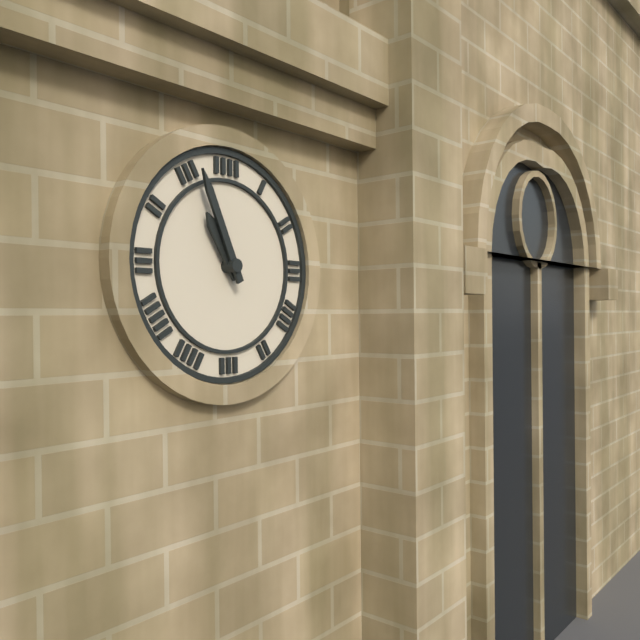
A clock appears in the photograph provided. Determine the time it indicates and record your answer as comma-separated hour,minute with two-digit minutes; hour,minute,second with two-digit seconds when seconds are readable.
10,56
